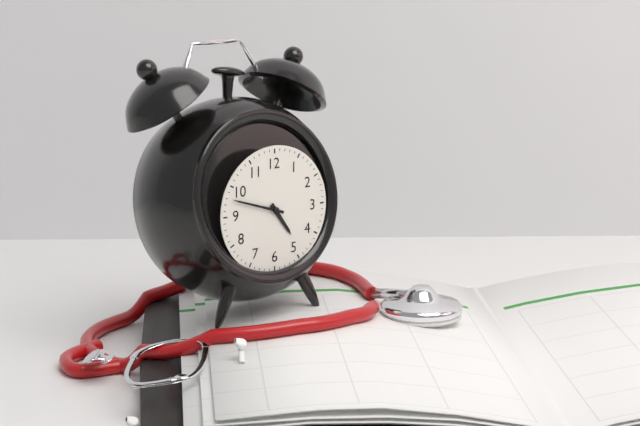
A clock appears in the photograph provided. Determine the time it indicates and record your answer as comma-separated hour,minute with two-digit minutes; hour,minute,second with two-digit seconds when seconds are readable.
4,48
